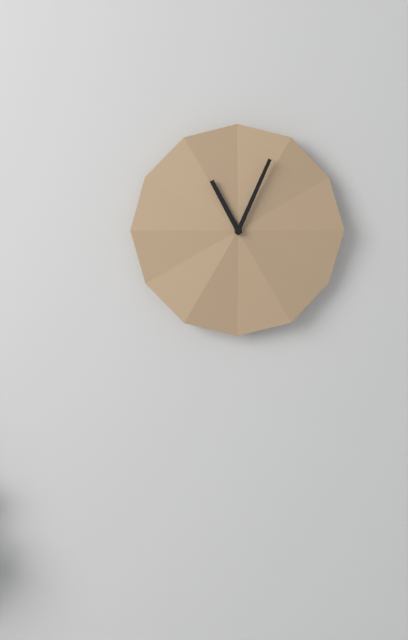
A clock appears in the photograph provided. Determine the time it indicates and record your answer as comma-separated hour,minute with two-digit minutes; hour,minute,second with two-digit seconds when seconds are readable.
11,04
